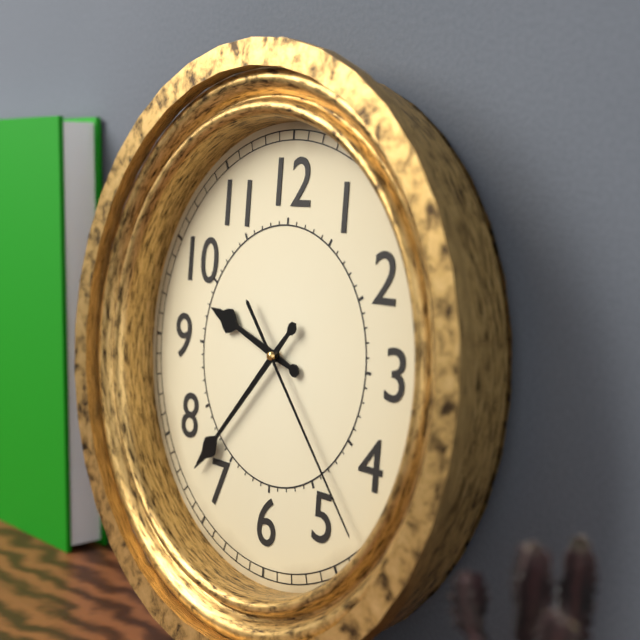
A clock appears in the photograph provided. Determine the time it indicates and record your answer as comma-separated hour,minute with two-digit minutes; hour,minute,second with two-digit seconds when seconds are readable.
9,37,23
